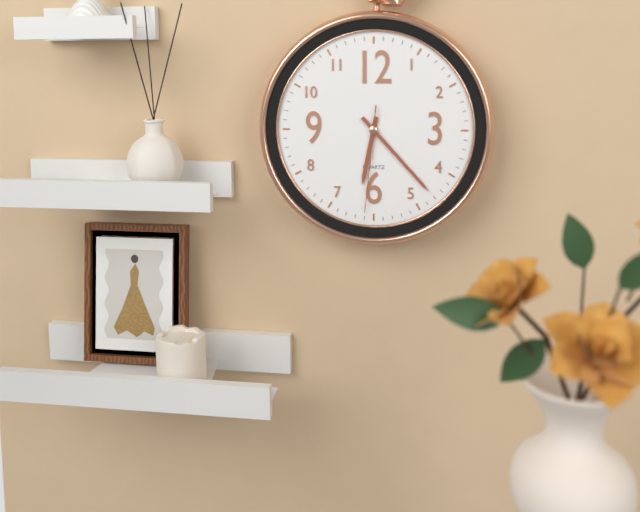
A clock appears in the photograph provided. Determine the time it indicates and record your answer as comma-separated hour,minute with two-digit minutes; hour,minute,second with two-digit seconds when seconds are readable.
6,23,31
